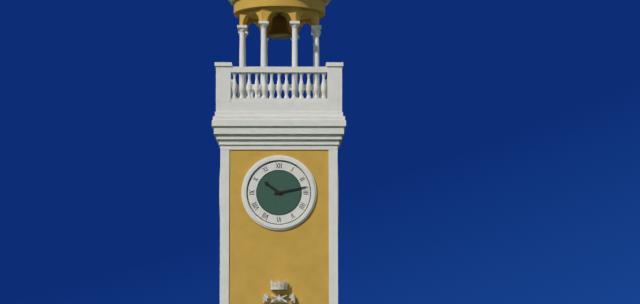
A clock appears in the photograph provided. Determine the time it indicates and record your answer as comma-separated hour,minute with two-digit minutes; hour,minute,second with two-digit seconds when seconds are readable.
10,13
